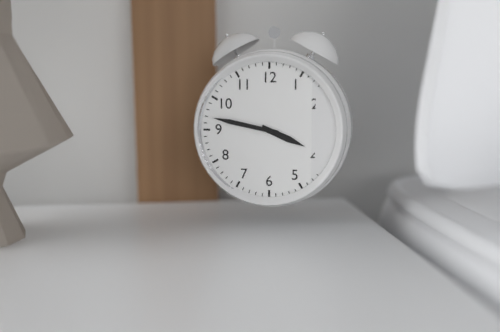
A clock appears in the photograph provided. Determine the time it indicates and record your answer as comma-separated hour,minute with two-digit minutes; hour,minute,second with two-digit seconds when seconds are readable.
3,47
